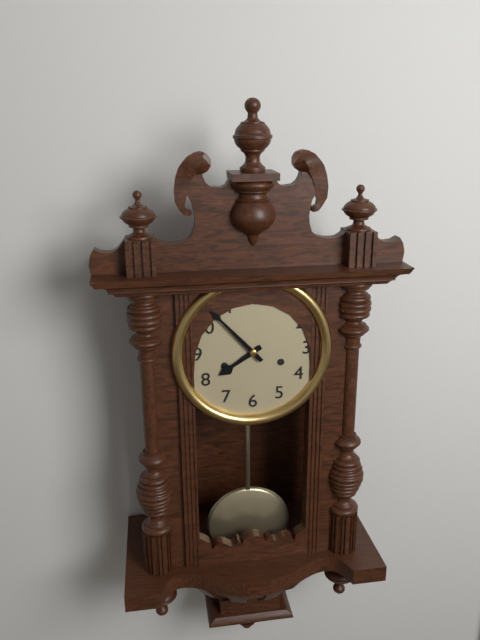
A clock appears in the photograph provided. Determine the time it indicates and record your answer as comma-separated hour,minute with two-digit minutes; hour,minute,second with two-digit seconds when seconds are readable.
7,53
